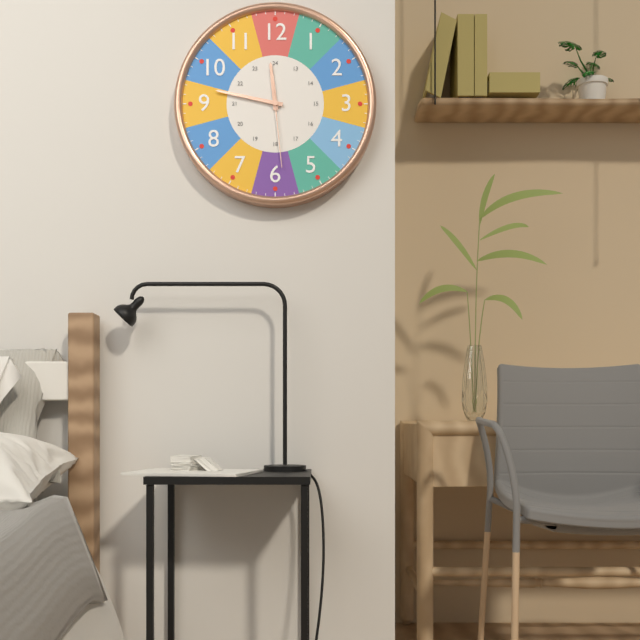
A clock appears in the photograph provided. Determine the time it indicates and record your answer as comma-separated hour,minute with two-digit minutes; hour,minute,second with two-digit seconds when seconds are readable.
11,47,29
